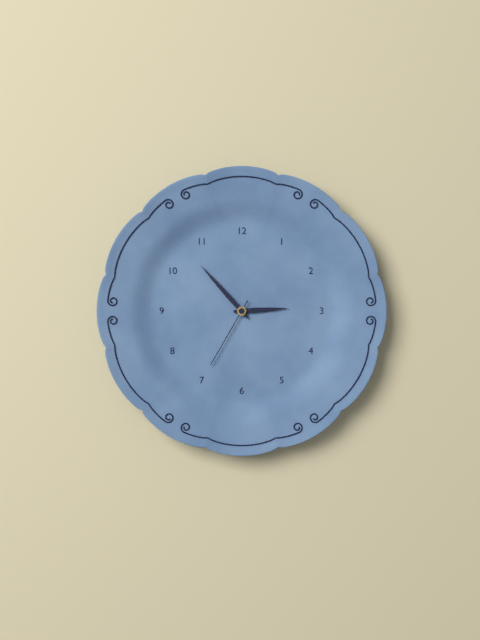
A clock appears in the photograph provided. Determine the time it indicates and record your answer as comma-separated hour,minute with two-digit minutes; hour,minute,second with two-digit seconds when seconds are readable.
2,53,35
